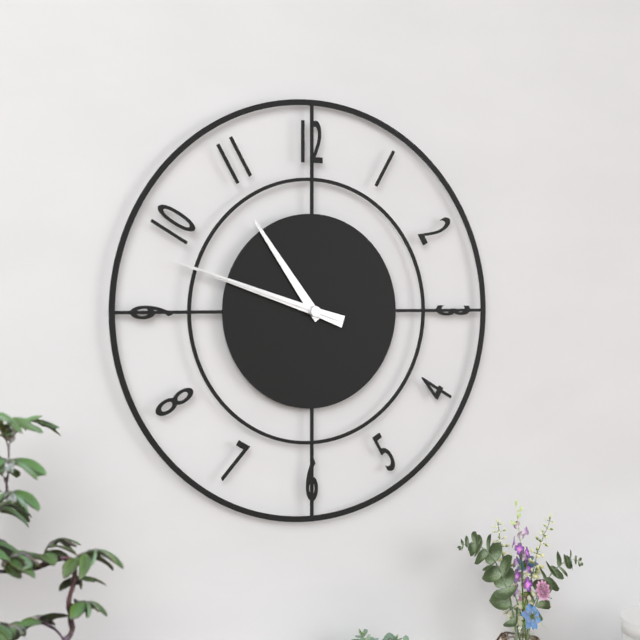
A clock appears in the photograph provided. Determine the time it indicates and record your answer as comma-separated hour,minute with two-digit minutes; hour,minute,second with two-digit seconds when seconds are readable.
10,48,48
